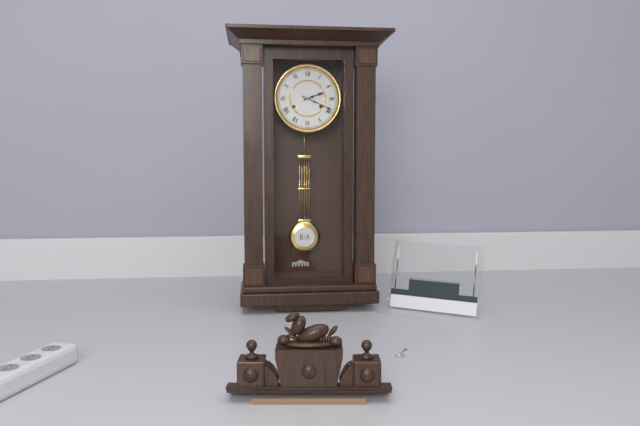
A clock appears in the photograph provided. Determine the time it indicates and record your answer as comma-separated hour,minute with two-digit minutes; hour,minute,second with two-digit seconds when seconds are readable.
2,19
